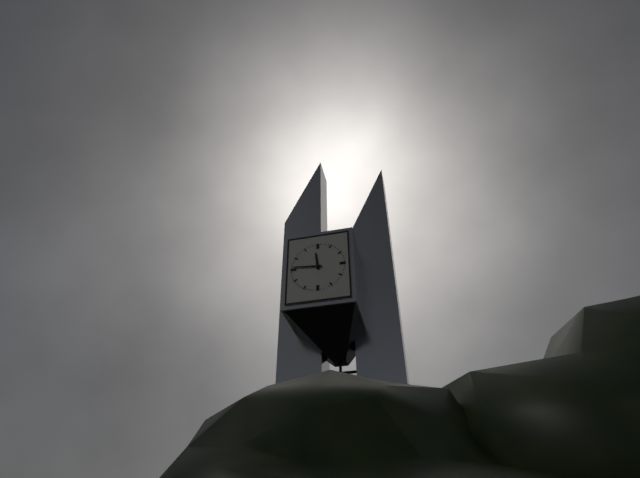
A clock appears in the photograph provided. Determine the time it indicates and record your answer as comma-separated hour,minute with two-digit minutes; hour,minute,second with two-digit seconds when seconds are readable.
11,46
